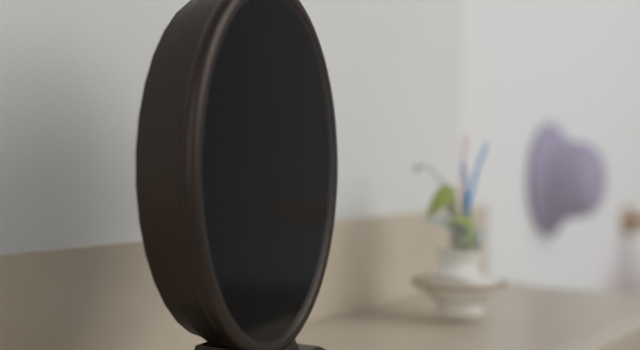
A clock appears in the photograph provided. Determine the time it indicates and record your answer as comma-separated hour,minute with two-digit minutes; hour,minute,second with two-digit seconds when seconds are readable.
7,36
